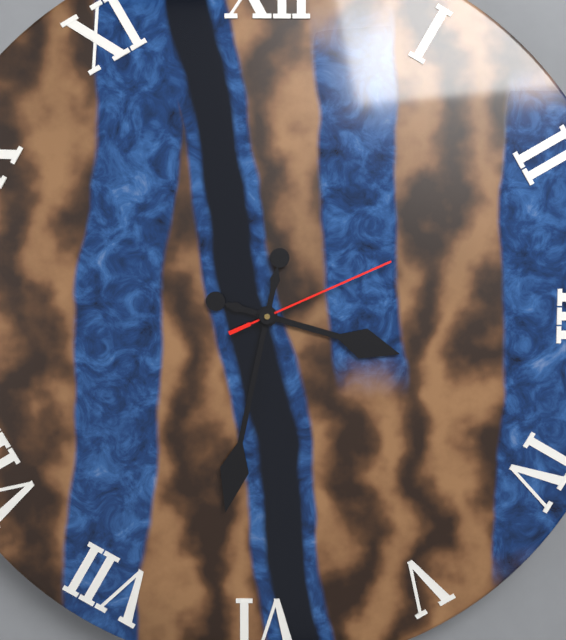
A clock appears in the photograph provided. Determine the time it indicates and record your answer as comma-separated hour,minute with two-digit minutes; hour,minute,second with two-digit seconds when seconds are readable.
3,32,11
